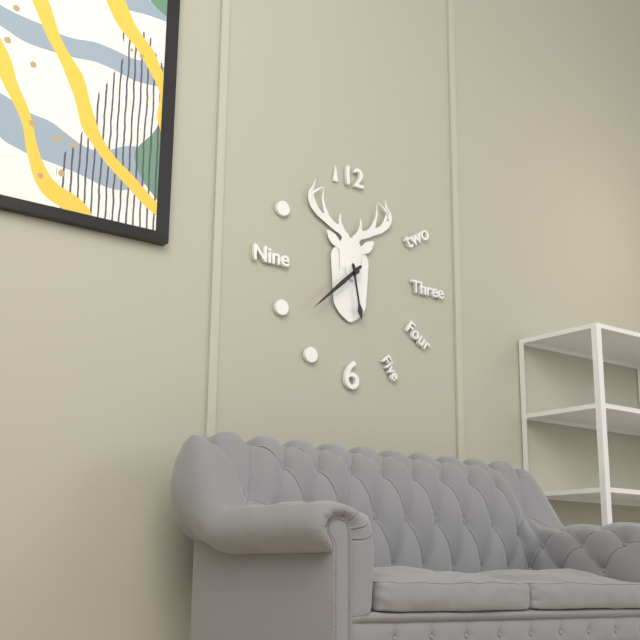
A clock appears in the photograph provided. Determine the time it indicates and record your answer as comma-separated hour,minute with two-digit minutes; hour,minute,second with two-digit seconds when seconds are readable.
5,38
